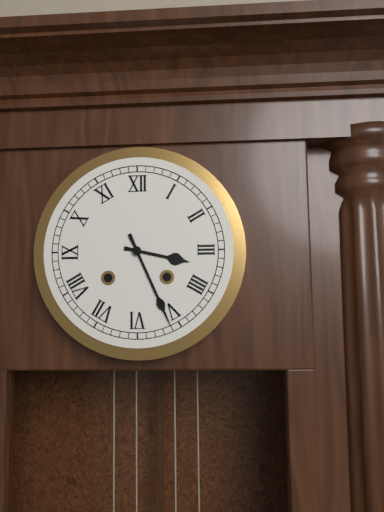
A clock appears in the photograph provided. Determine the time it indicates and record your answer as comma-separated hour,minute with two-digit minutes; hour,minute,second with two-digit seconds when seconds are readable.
3,26
